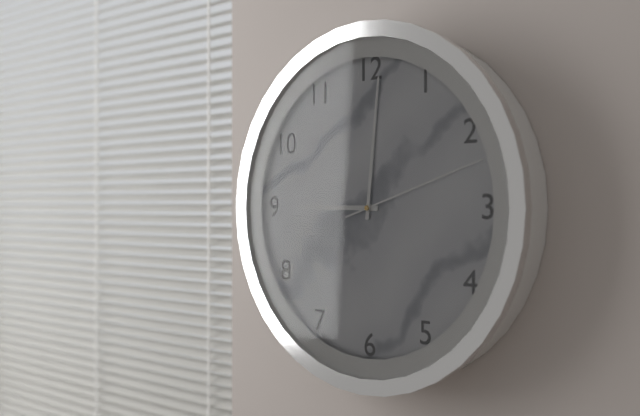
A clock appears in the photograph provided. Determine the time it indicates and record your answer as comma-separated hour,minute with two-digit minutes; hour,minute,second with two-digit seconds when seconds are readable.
9,01,12
